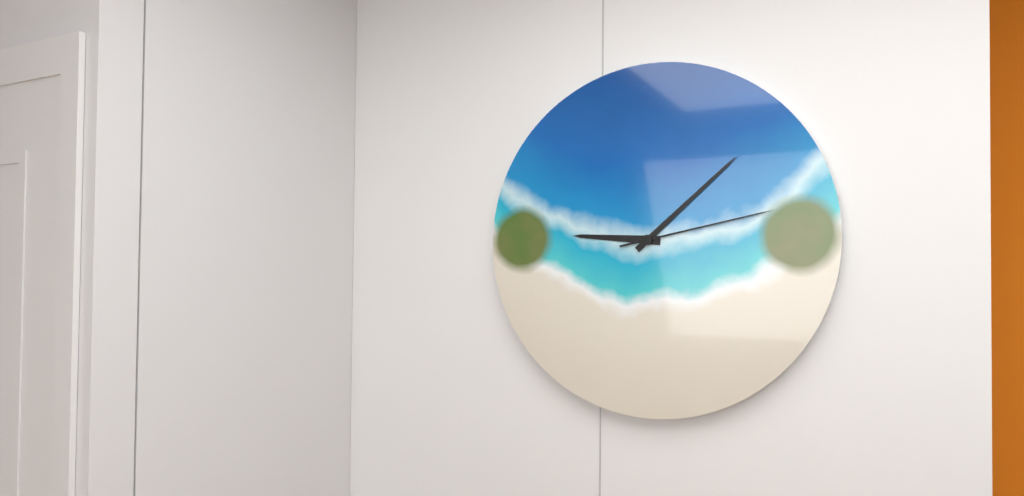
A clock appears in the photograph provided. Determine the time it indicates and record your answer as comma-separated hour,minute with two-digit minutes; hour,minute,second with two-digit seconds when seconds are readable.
9,08,13
